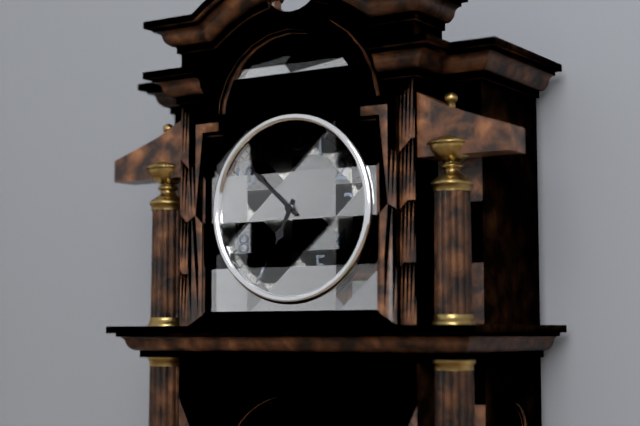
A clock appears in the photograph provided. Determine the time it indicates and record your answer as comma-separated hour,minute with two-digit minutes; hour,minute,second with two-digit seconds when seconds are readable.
6,52
